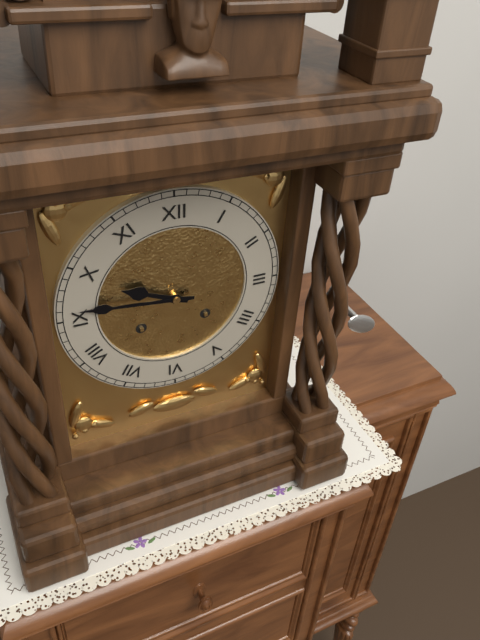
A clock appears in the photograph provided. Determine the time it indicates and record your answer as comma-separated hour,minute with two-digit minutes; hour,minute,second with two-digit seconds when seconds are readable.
9,46
